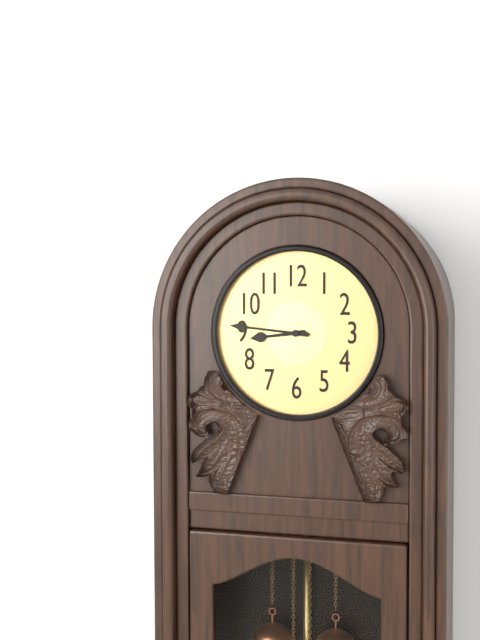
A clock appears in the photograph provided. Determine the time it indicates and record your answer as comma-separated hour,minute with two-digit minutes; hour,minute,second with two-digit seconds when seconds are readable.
8,46
